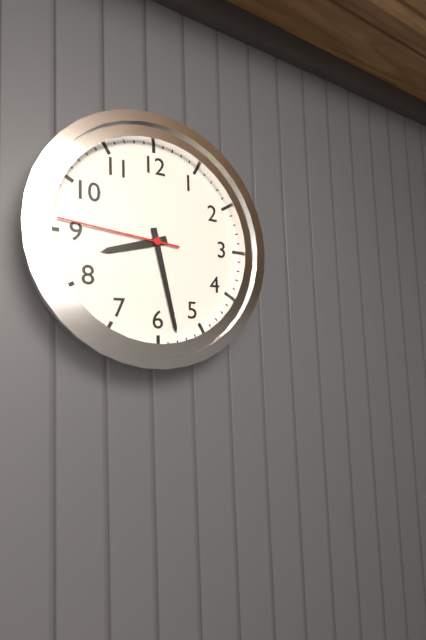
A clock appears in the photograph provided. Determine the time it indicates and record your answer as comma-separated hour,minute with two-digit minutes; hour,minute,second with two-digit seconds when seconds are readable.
8,28,46
